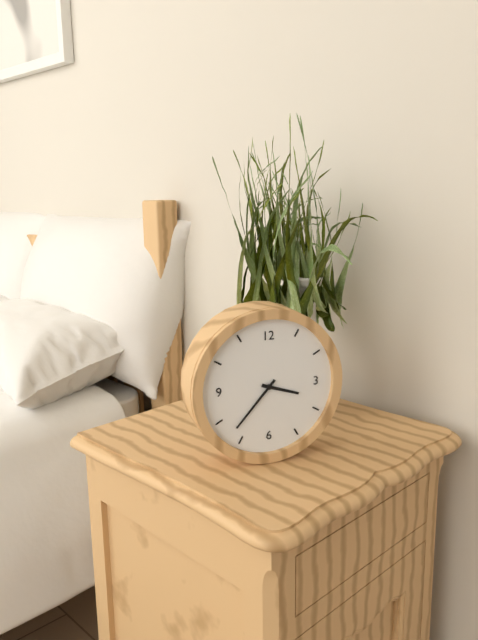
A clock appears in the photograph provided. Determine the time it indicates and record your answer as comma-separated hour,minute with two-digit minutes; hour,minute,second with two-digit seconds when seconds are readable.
3,37
